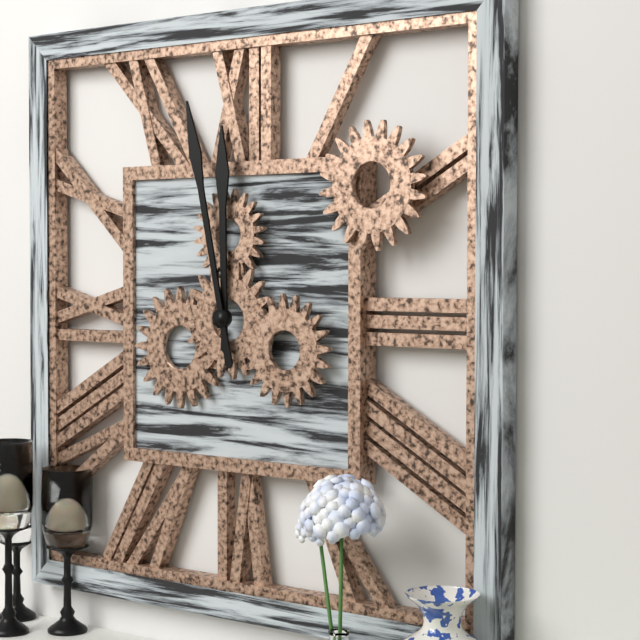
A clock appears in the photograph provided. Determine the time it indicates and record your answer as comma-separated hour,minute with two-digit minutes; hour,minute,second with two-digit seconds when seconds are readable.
11,58
